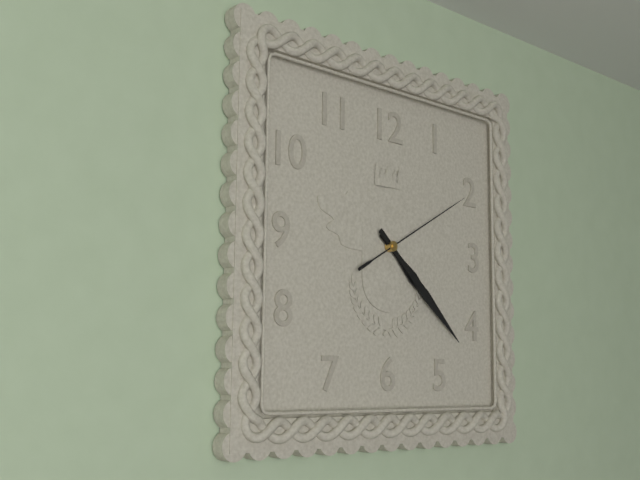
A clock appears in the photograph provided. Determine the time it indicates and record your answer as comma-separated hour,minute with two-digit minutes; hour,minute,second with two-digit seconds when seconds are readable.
4,22,10
